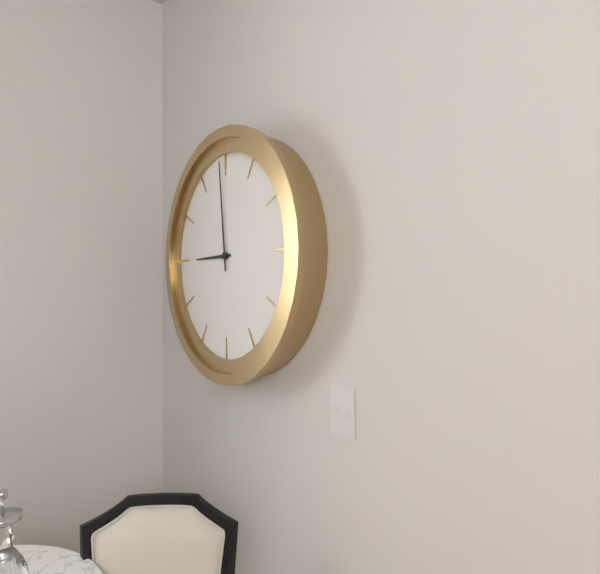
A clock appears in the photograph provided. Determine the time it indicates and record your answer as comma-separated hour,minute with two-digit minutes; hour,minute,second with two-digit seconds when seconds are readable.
8,59
